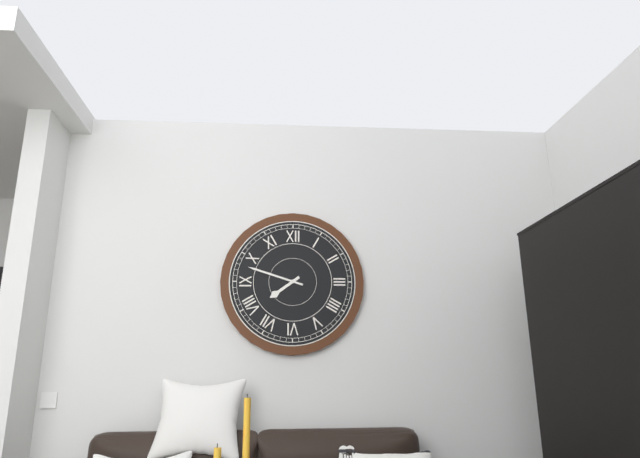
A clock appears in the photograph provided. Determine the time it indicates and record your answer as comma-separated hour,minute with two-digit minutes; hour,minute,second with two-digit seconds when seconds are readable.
7,48
